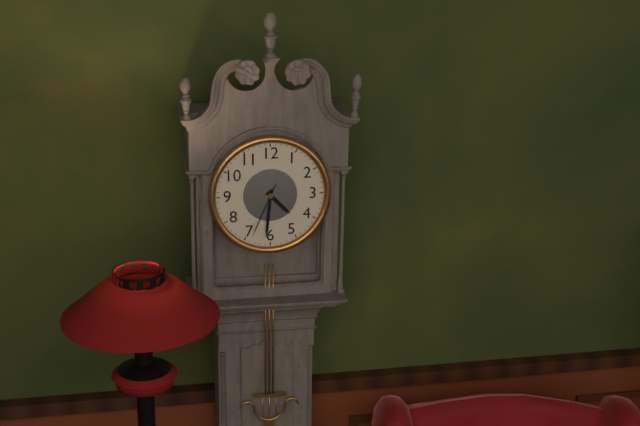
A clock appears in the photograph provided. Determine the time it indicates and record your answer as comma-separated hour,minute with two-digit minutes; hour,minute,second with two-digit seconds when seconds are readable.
4,31,34
